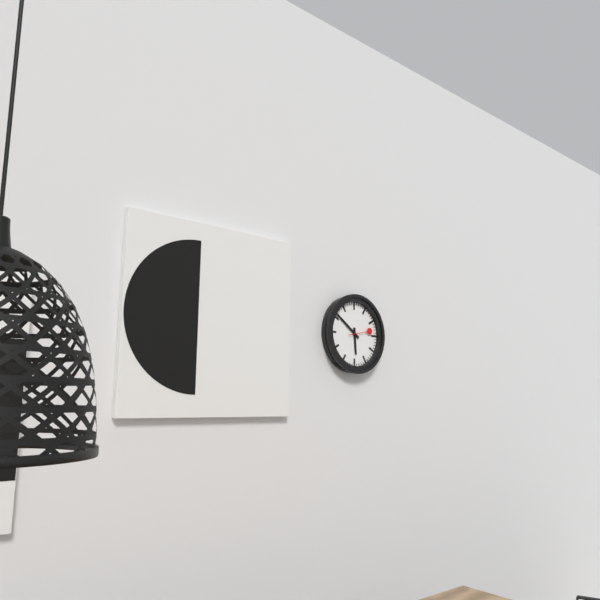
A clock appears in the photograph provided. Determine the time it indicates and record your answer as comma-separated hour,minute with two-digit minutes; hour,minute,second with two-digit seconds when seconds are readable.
5,51
